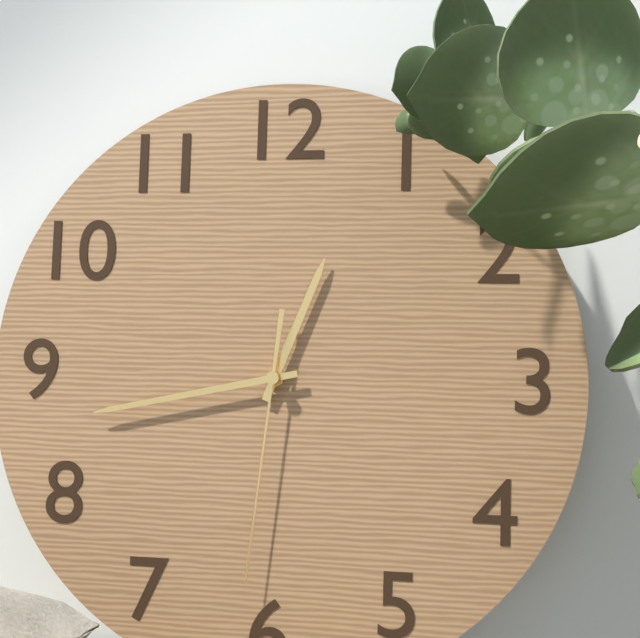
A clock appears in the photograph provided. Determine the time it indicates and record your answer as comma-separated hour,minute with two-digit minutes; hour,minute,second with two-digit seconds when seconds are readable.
12,43,31
